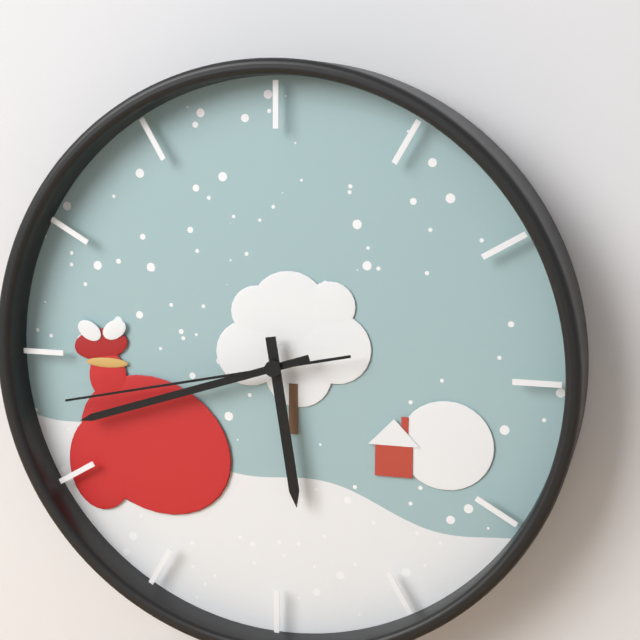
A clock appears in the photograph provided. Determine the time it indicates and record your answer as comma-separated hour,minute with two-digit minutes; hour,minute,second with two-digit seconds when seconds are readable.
5,42,43
